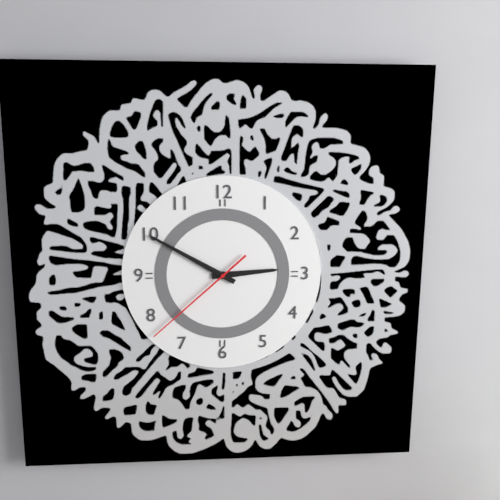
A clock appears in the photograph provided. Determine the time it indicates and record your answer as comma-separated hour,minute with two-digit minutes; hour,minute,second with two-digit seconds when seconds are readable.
2,50,38
